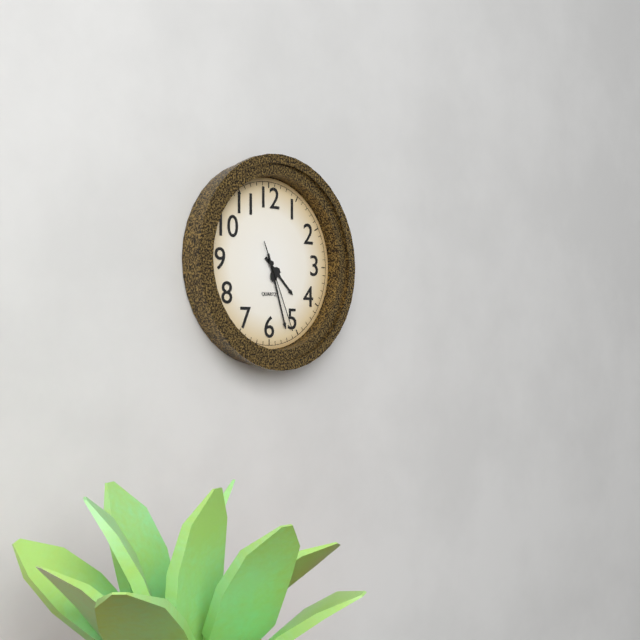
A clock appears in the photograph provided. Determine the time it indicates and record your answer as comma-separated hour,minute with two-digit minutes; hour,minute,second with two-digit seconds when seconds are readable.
4,27,26
